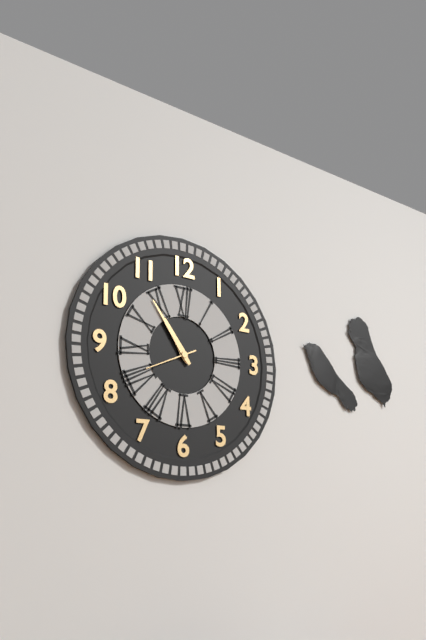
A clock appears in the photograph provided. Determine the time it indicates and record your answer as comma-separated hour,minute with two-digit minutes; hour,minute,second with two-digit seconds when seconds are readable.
10,54
